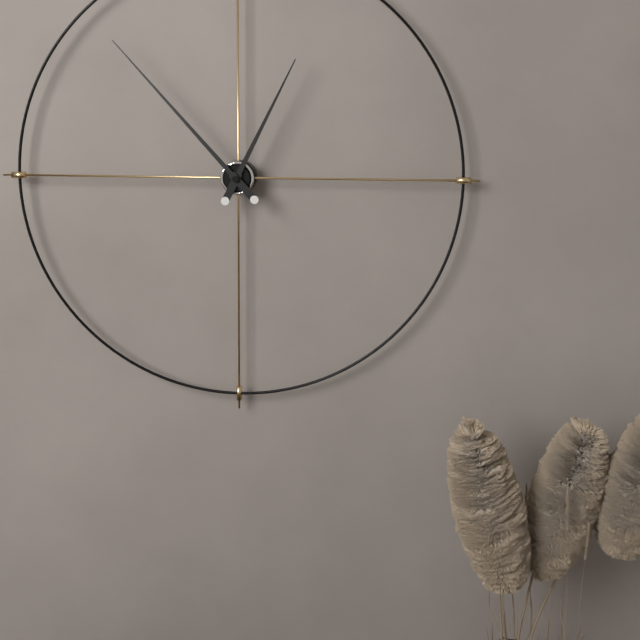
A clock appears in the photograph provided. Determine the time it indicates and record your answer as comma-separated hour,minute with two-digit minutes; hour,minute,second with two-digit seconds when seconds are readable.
12,53
